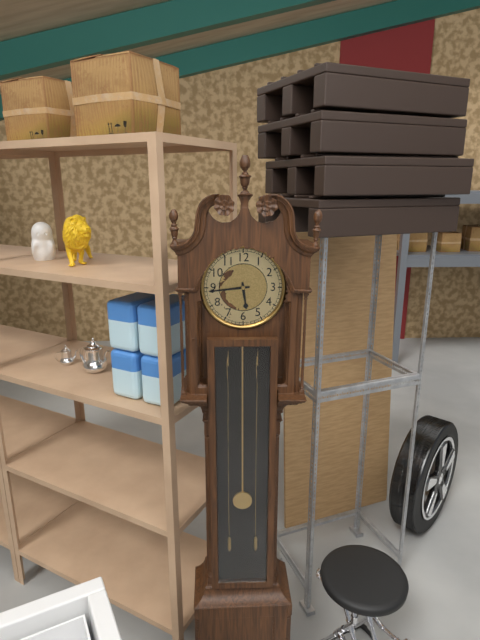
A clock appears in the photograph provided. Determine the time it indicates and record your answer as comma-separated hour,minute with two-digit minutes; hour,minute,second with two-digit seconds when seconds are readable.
5,44
